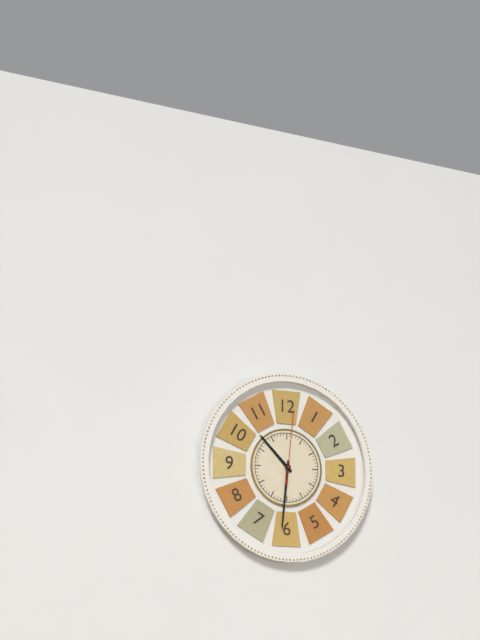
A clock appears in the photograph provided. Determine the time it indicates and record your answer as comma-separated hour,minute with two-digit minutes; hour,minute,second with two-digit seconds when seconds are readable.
10,31,01
